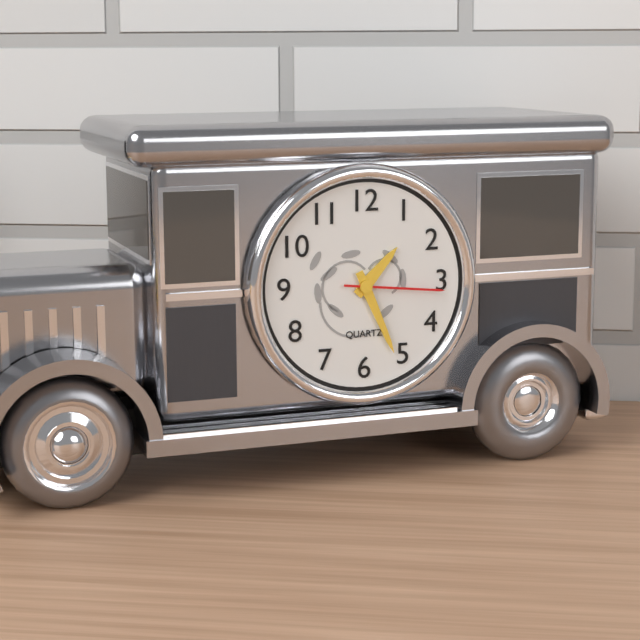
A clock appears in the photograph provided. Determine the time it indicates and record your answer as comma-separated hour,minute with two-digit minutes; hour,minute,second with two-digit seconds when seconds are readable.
1,26,16
